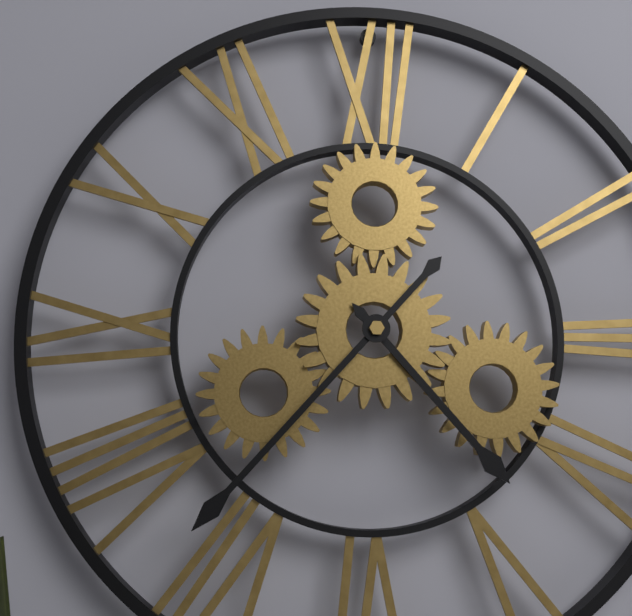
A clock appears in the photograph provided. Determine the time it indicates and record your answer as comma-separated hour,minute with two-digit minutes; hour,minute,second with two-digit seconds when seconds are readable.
4,37
